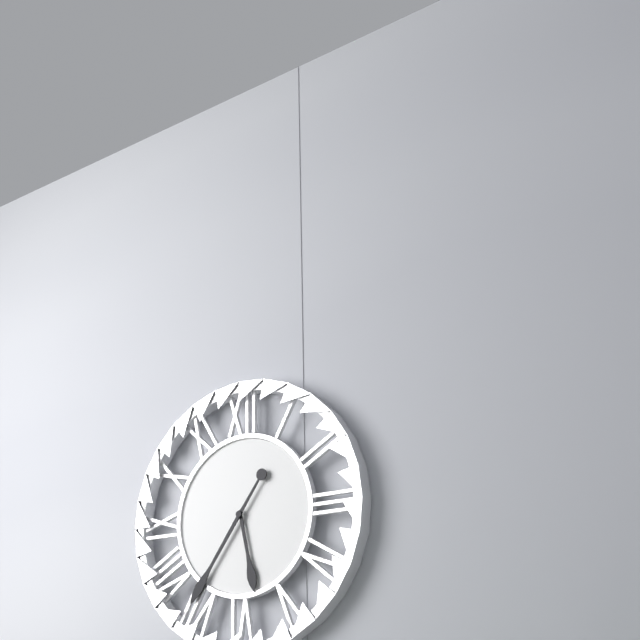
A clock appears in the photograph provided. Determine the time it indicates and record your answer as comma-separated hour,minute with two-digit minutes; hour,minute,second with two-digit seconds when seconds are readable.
5,36
